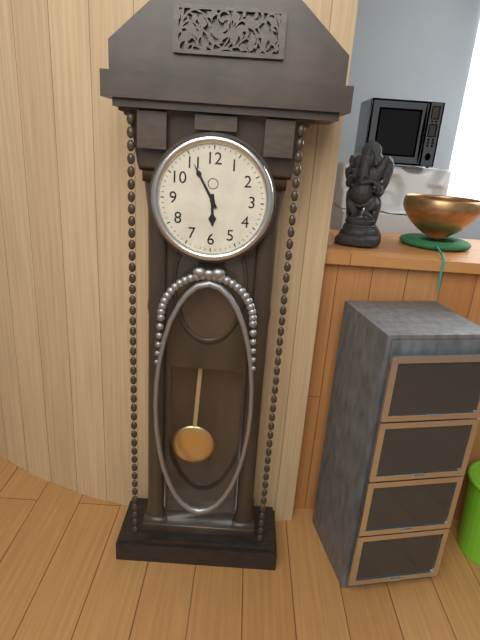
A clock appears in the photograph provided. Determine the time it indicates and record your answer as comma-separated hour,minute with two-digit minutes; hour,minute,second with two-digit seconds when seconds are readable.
5,55
